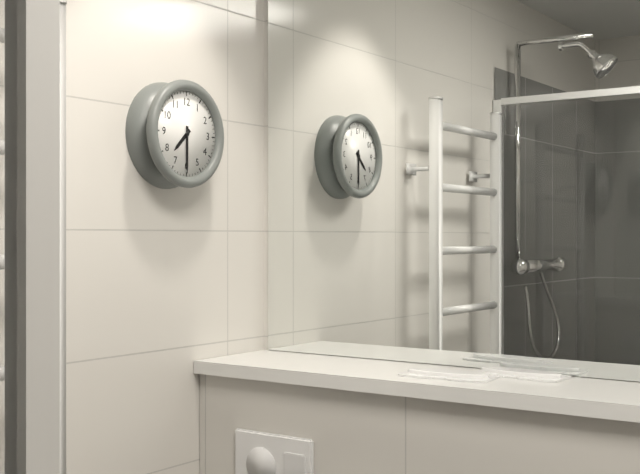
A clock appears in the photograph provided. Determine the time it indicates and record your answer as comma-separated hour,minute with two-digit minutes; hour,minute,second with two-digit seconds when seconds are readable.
7,30
